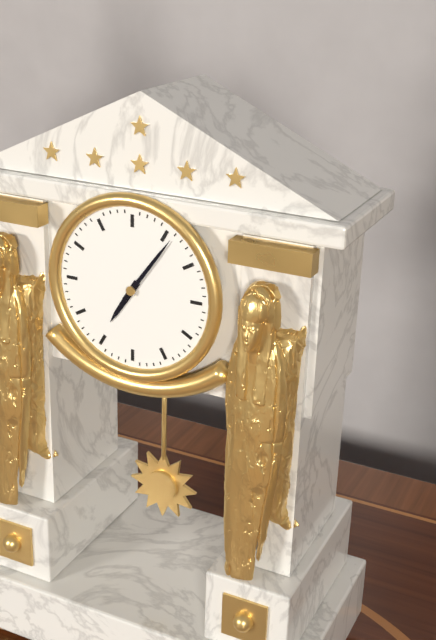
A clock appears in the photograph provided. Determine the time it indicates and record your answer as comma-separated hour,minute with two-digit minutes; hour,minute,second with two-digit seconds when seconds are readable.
7,06
